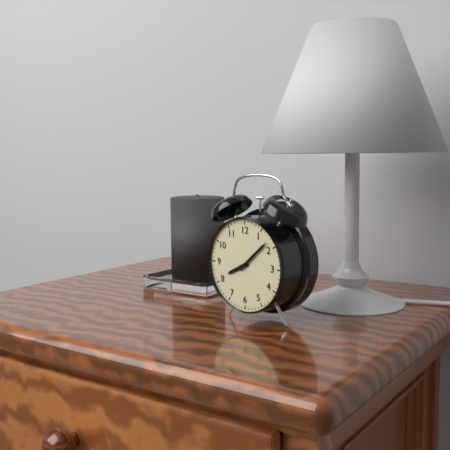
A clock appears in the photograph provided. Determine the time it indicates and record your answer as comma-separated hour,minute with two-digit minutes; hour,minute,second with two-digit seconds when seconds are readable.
8,08
